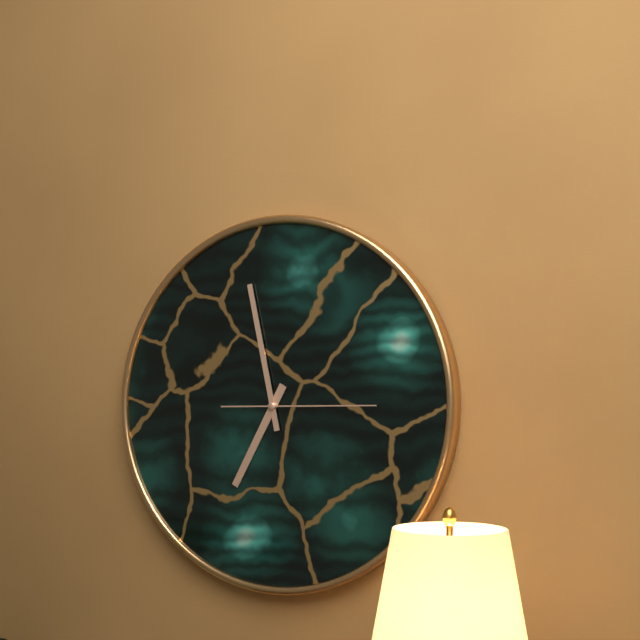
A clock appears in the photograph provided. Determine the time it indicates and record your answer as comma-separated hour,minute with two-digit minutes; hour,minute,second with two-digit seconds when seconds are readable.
6,58,15
